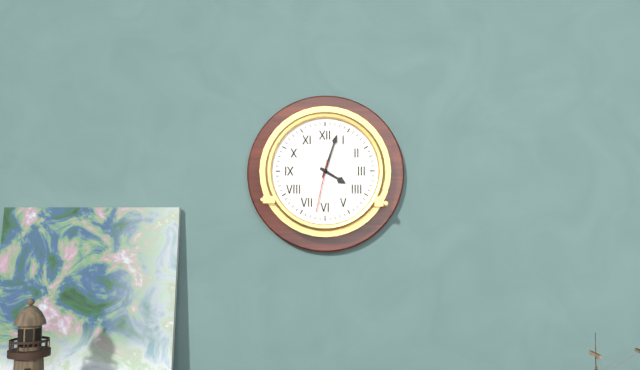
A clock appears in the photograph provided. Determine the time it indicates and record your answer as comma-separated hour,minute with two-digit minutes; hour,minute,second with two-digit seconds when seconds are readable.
4,03,32
